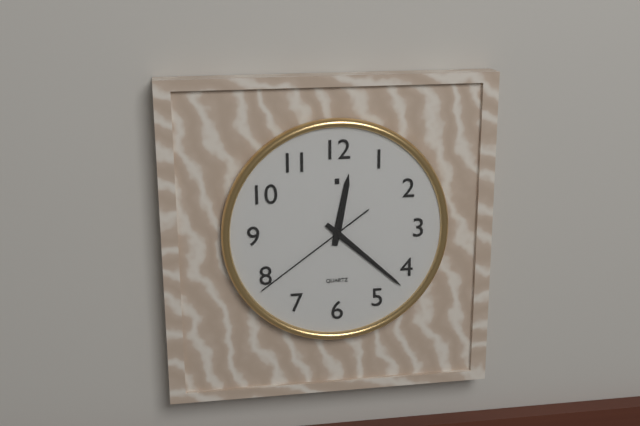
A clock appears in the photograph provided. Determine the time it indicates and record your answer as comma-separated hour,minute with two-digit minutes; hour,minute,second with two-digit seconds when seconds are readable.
12,22,39
